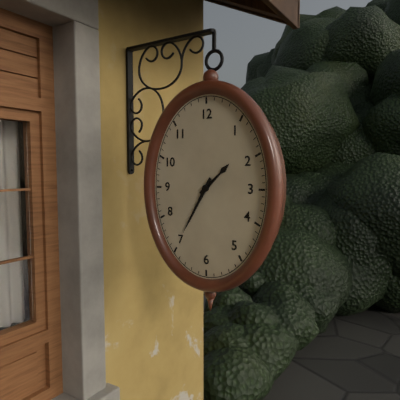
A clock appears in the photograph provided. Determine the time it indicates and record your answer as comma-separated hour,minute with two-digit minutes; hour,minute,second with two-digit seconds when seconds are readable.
1,35
